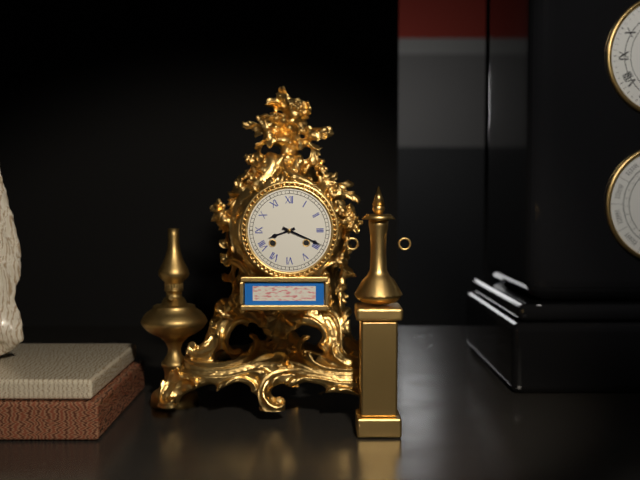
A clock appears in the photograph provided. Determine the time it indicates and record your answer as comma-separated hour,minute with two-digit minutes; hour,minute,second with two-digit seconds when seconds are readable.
8,19
